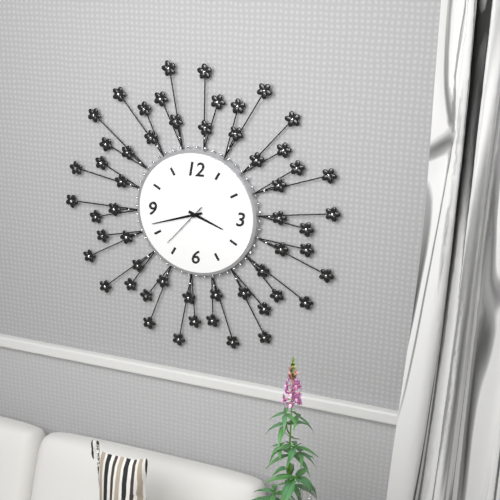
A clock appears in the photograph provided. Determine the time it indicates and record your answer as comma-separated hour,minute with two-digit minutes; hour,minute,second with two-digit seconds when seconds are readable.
3,42
